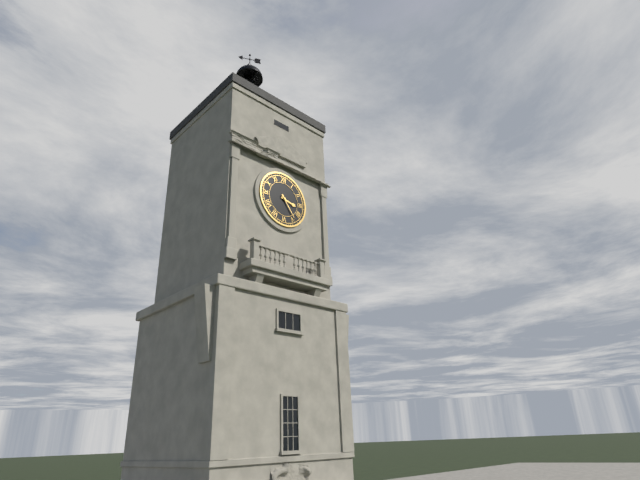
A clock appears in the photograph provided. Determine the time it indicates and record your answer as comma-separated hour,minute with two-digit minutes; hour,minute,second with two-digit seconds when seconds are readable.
3,24
